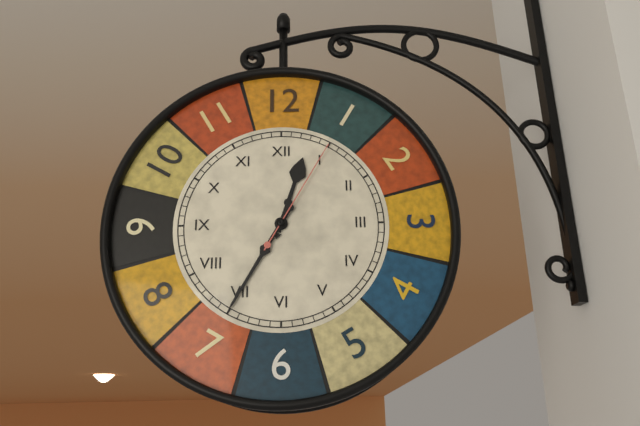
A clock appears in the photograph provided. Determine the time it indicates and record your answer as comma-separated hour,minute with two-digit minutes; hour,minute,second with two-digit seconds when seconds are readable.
12,35,05
